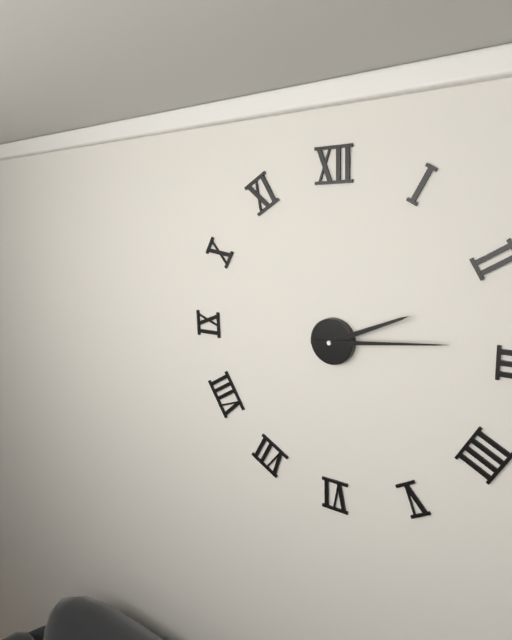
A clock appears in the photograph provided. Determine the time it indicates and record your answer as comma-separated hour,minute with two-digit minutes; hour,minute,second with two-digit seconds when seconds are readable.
2,14
